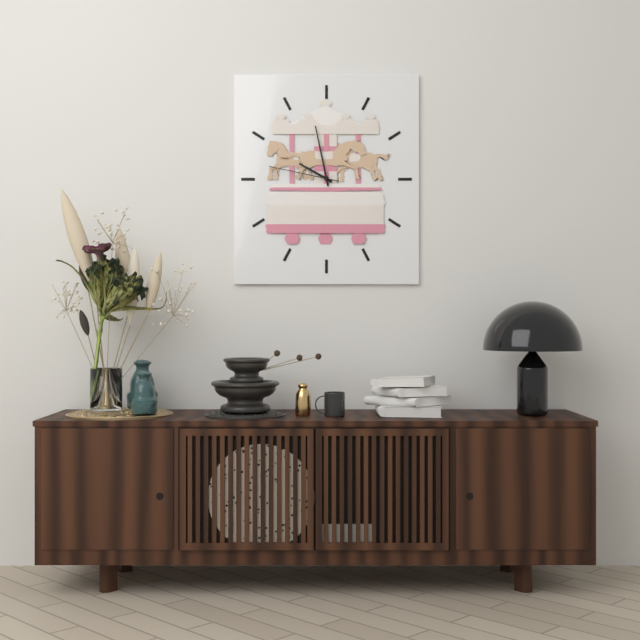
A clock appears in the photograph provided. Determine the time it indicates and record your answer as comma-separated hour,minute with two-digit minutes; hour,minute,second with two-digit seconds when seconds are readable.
9,58,47
